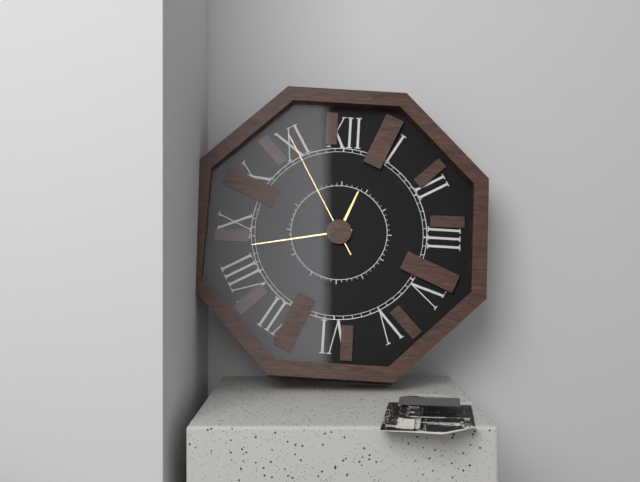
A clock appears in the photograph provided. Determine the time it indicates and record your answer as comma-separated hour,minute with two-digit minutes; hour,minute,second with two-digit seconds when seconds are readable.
12,43,55
